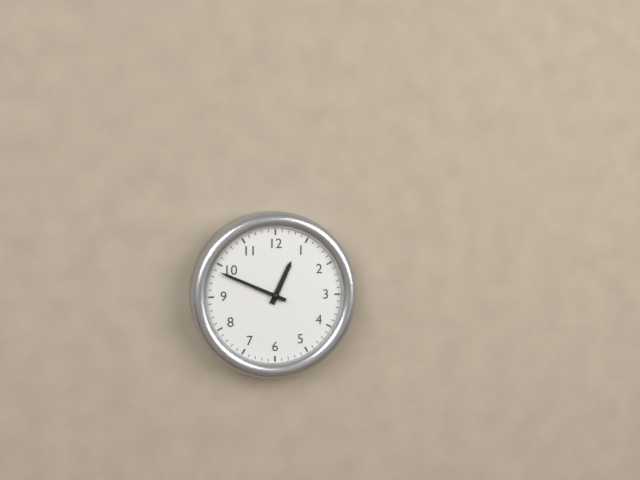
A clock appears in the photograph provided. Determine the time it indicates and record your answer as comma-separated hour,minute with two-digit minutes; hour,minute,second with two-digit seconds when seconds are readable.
12,49
